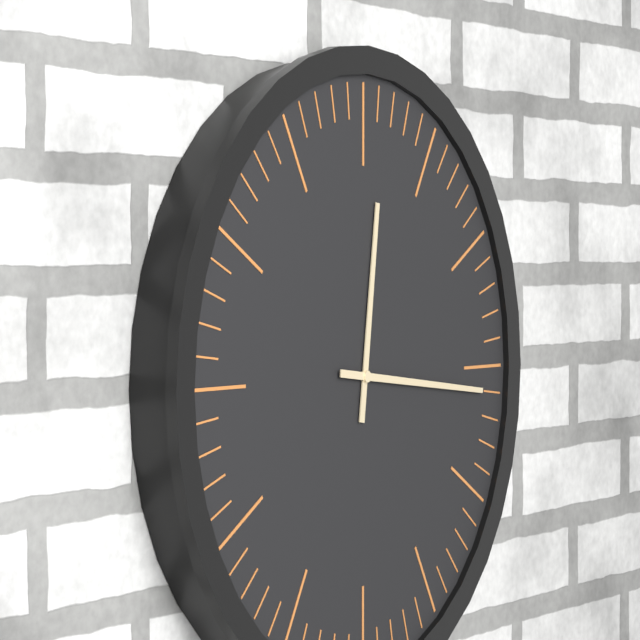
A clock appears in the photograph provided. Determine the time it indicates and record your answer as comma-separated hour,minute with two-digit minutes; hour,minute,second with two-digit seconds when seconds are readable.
12,16
